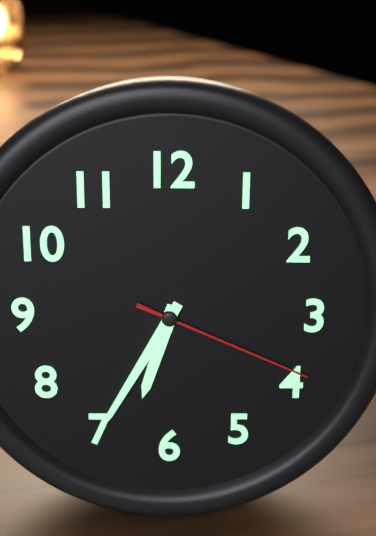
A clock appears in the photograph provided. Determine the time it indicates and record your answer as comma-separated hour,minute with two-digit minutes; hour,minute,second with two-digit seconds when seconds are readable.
6,35,19
